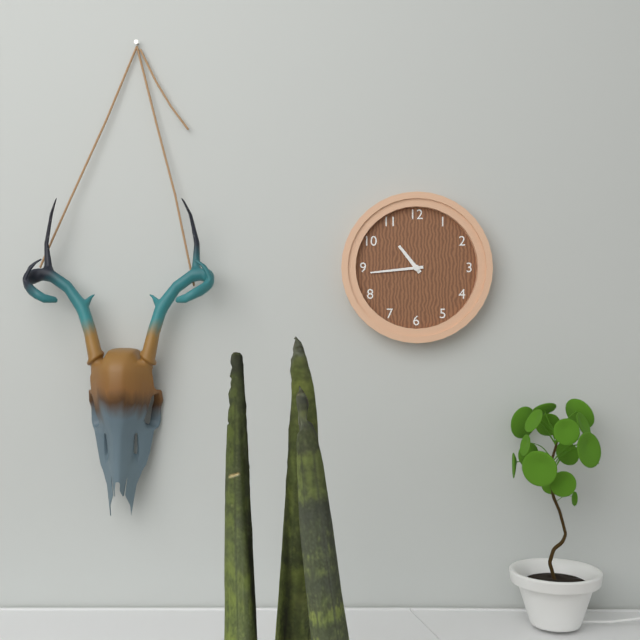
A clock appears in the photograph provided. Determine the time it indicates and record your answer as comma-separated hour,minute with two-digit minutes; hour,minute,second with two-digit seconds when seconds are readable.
10,44
